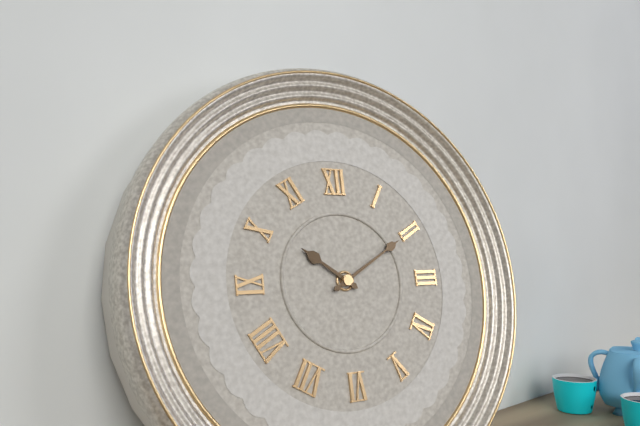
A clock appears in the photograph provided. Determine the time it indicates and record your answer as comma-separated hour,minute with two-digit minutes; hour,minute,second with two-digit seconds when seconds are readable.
10,10
